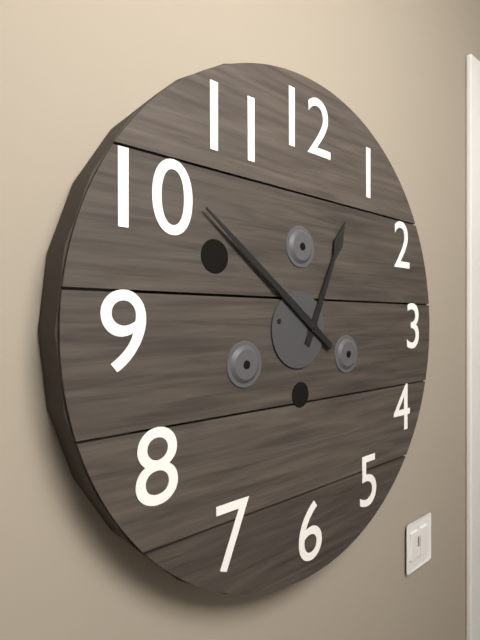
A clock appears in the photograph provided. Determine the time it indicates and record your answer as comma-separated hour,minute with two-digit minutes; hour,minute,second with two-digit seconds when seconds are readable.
12,51
